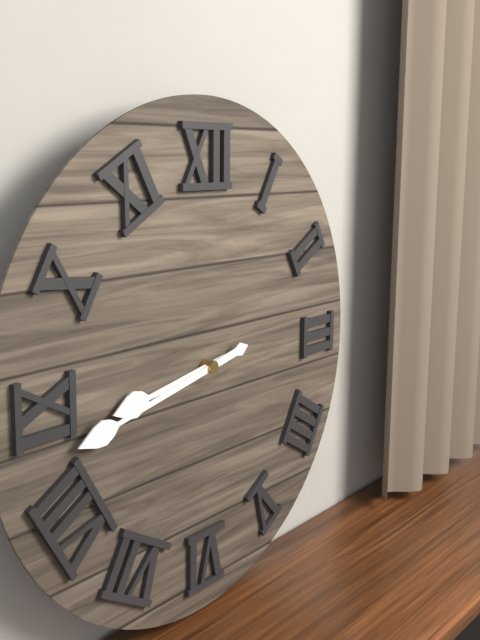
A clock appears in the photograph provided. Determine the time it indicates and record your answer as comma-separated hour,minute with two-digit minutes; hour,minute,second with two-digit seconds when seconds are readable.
8,43
